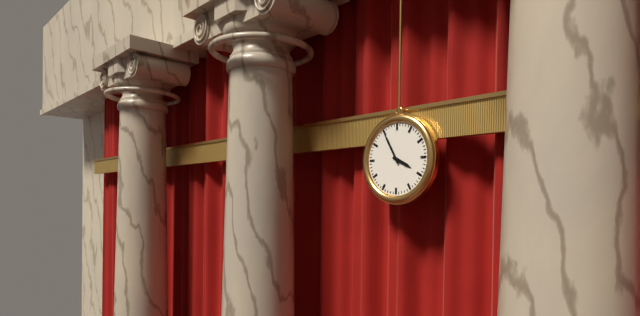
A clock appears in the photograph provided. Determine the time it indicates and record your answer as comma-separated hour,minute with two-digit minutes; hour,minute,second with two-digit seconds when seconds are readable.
3,55
